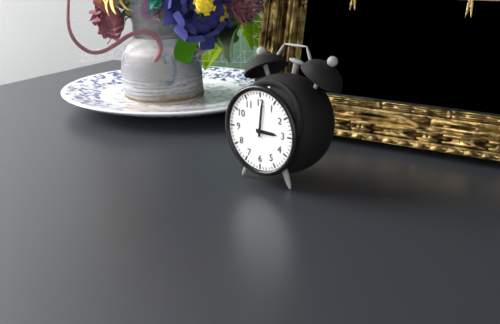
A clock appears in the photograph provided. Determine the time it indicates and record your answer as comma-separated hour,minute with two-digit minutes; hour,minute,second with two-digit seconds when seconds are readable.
3,01
